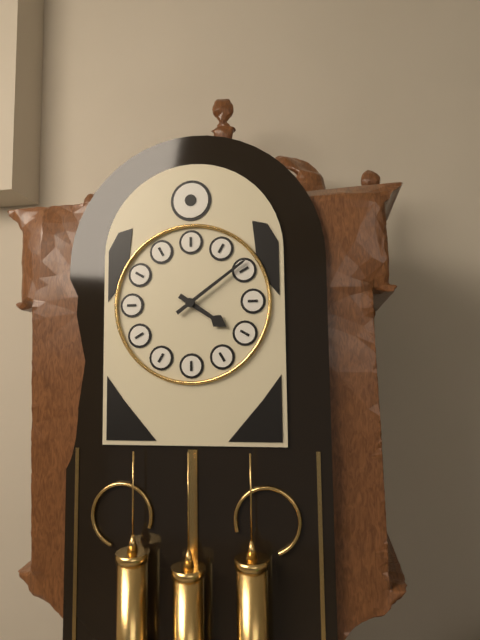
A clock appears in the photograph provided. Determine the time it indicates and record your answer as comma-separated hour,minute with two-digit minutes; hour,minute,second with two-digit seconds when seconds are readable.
4,09
